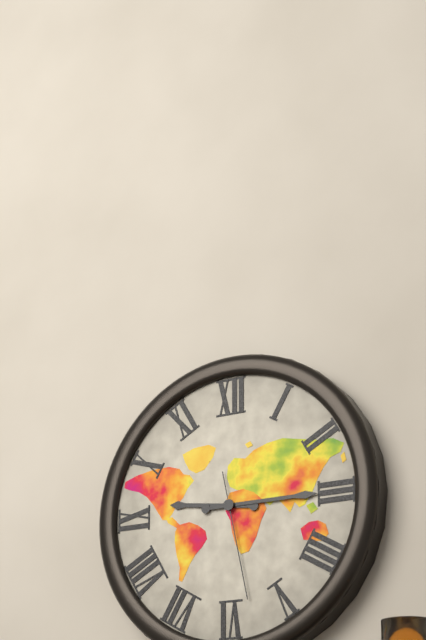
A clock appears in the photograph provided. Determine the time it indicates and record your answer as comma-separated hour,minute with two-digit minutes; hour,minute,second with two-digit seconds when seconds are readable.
9,15,28
